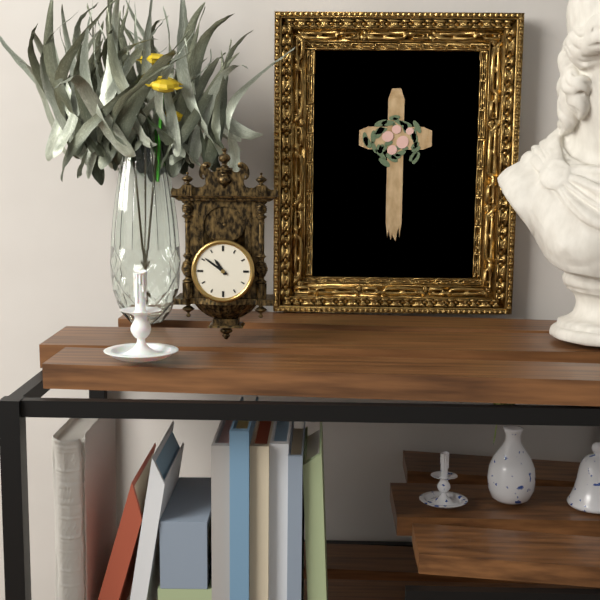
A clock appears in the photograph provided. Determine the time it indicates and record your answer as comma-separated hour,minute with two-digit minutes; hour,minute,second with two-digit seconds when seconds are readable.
10,51
